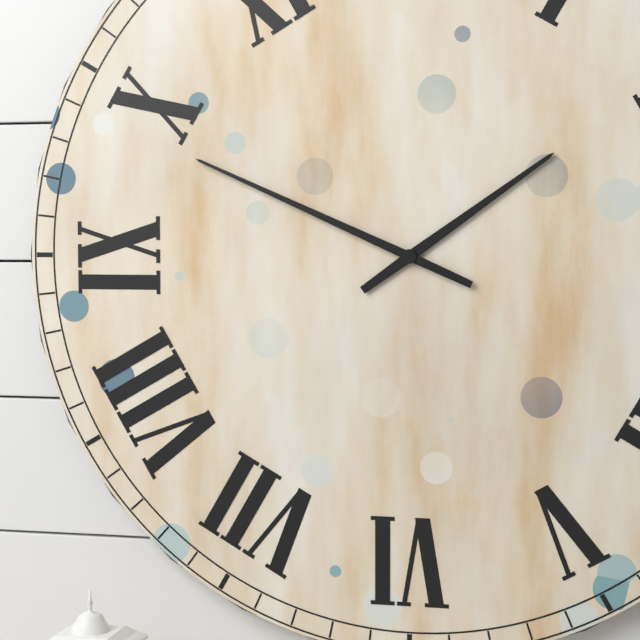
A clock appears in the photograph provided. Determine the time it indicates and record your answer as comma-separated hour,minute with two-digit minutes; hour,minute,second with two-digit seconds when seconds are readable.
1,49
